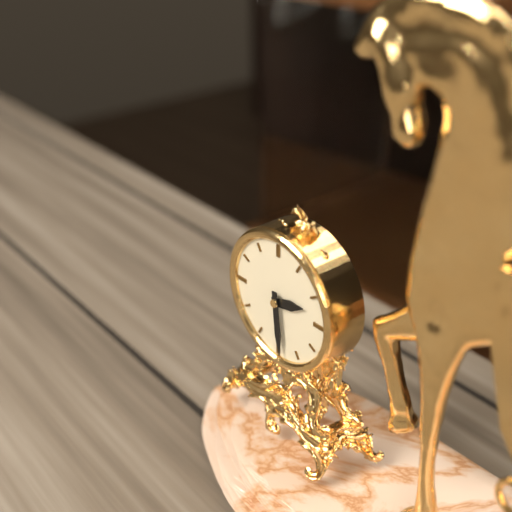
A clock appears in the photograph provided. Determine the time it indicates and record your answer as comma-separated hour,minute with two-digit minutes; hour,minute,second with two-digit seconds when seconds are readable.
2,29
